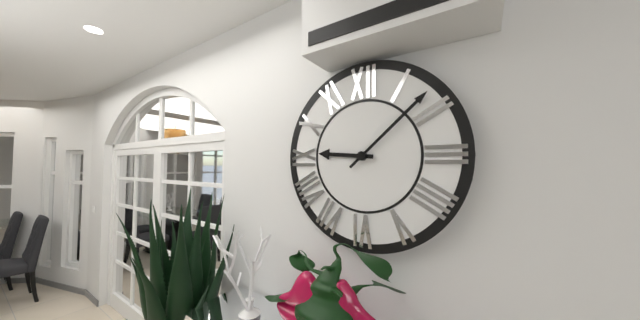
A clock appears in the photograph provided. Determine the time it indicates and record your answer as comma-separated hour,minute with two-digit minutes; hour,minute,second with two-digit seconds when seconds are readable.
9,08
